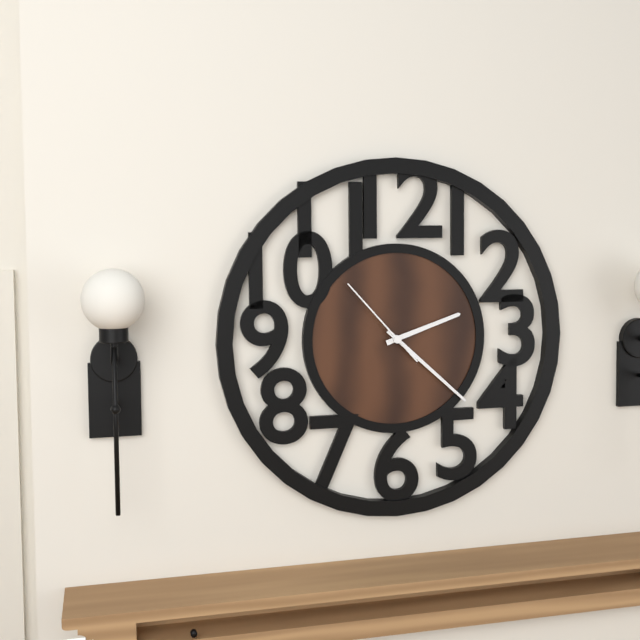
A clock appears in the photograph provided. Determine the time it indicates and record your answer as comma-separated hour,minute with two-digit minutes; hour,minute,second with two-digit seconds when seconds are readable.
2,22,53
